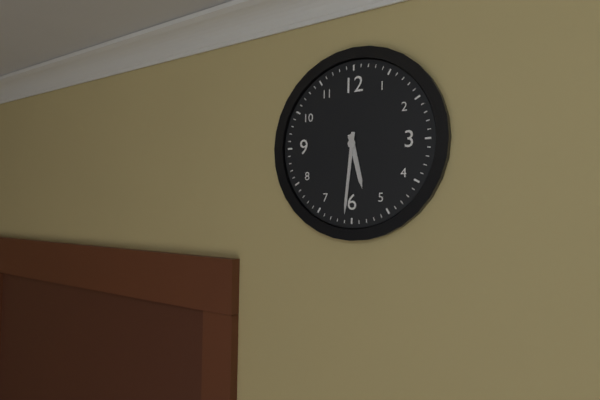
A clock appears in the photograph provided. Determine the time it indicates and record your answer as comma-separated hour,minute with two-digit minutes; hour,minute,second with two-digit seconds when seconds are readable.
5,31
